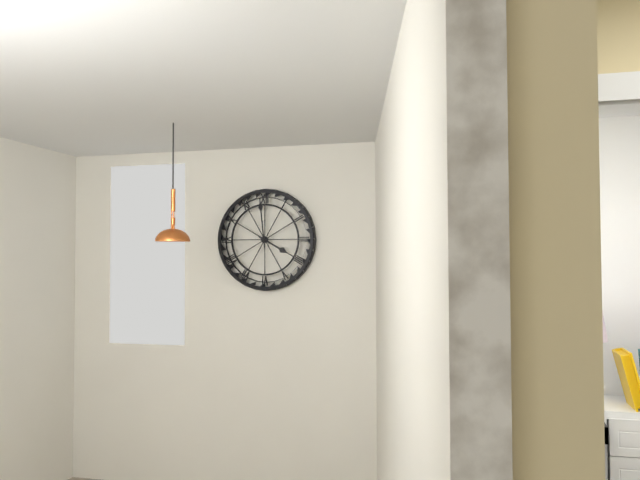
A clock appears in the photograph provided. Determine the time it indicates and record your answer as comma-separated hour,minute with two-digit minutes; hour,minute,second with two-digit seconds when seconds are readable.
3,59
